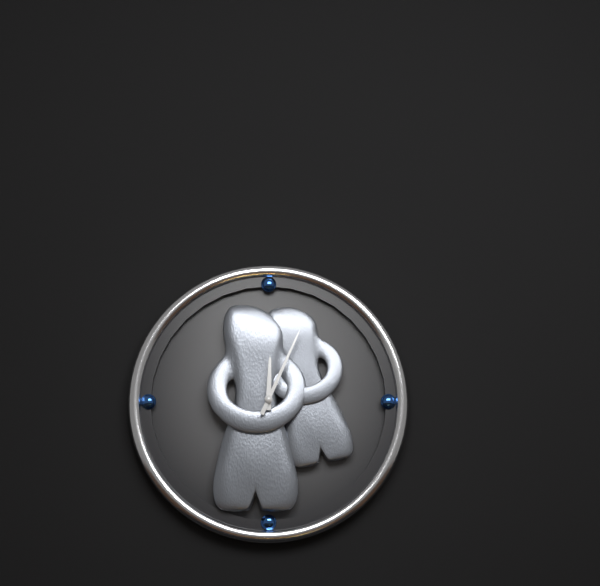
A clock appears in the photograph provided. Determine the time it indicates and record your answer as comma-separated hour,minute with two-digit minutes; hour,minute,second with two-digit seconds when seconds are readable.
12,04
